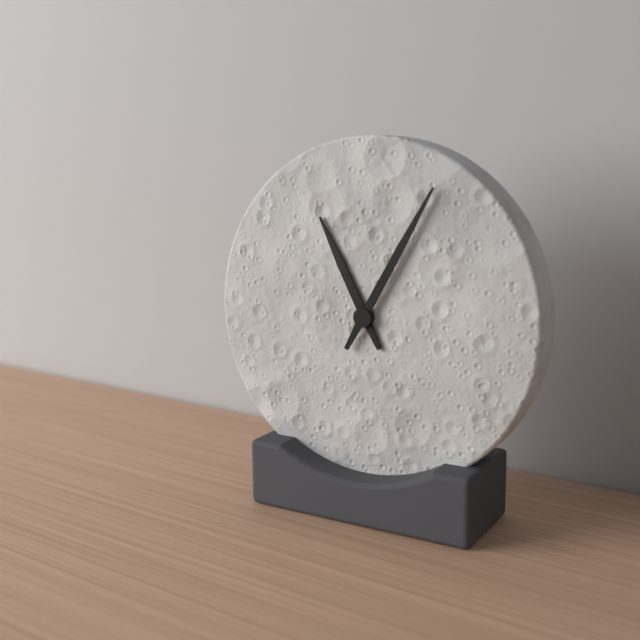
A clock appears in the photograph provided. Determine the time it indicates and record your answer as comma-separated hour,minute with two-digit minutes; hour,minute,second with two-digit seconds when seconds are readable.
11,05
